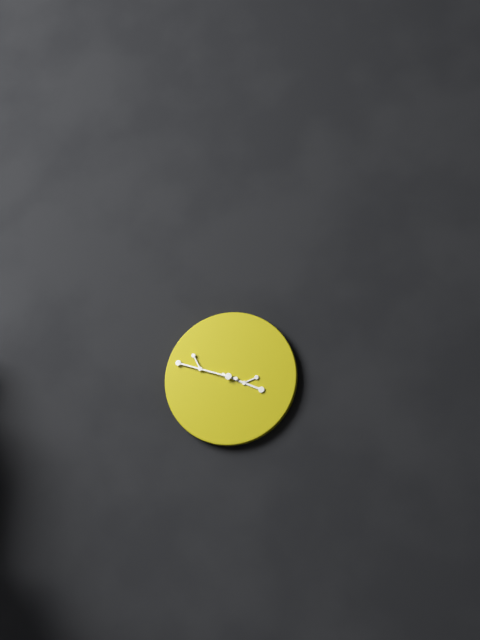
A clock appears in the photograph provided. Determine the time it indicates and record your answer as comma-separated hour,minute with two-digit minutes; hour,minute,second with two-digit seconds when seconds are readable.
3,48
